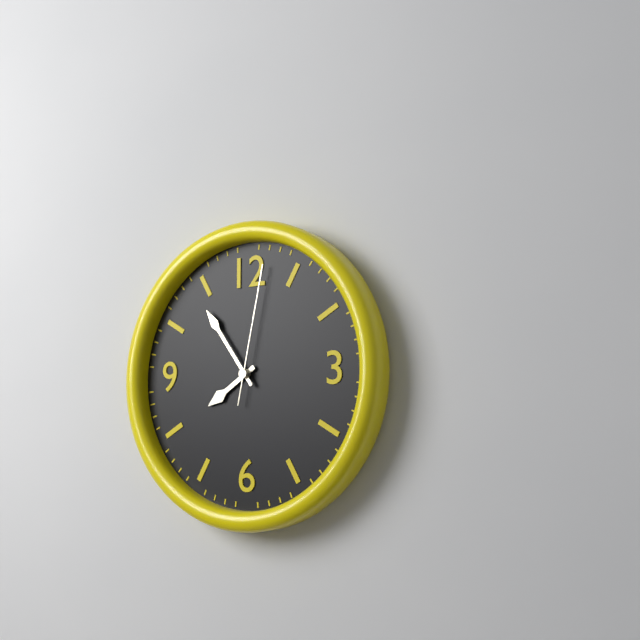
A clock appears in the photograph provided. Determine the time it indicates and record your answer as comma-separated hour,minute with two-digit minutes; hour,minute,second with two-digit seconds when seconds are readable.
7,54,02
